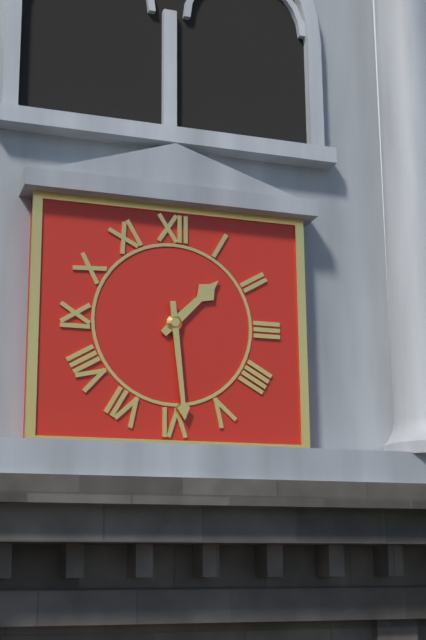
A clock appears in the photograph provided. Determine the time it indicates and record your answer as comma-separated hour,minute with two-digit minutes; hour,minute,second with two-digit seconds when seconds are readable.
1,29
